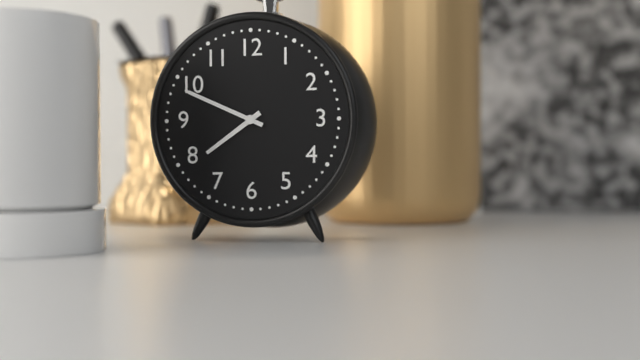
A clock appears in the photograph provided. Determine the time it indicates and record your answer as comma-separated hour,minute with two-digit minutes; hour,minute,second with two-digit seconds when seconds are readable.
7,49
